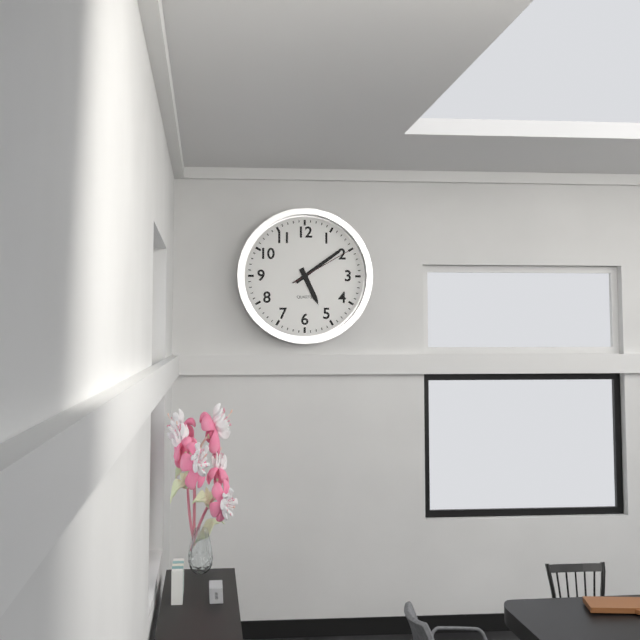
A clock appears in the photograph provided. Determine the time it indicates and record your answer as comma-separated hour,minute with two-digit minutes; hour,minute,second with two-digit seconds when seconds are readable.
5,09,10
